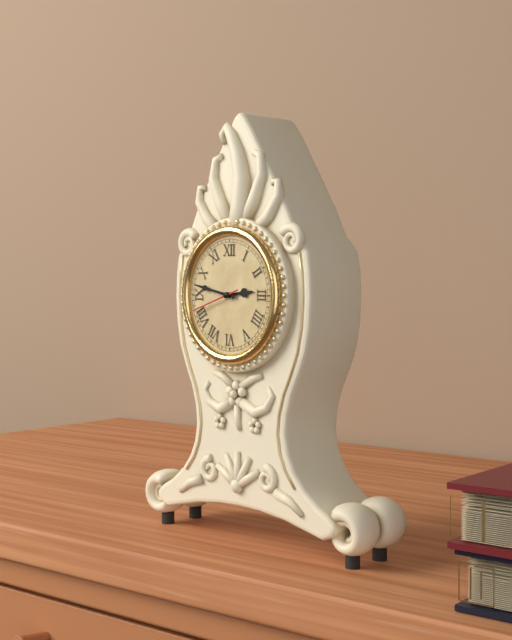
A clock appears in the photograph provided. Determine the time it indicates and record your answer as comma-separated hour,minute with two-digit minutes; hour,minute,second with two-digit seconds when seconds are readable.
2,47
